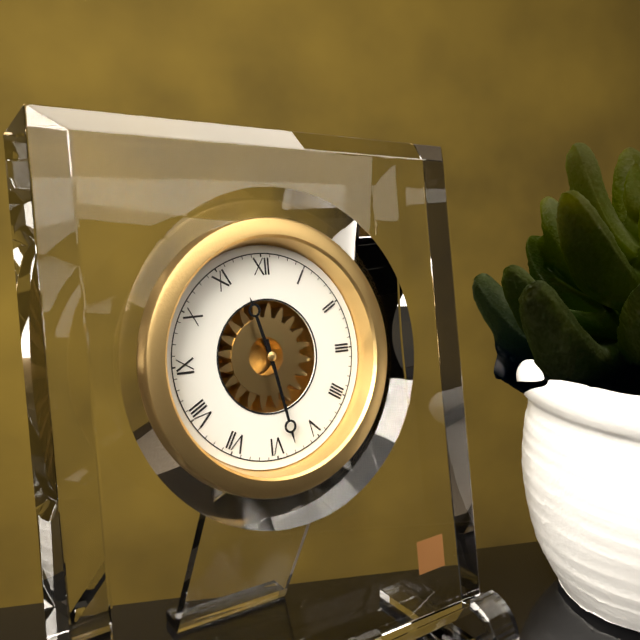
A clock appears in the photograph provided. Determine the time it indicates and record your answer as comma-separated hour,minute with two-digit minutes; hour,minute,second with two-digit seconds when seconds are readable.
11,28
